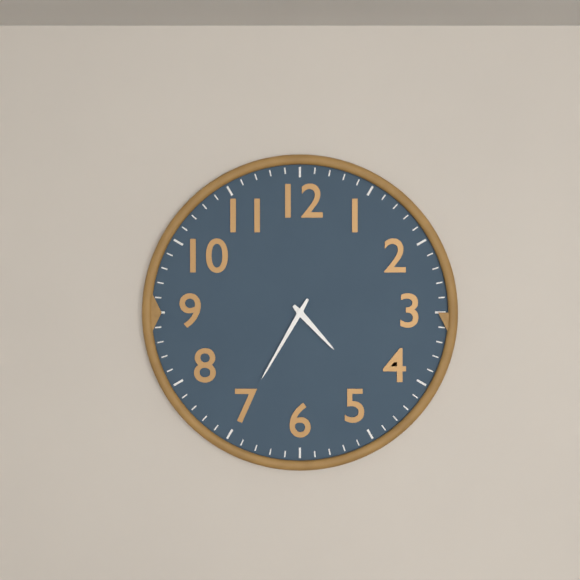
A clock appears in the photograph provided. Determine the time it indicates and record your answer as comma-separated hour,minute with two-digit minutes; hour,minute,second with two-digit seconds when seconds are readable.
4,35
